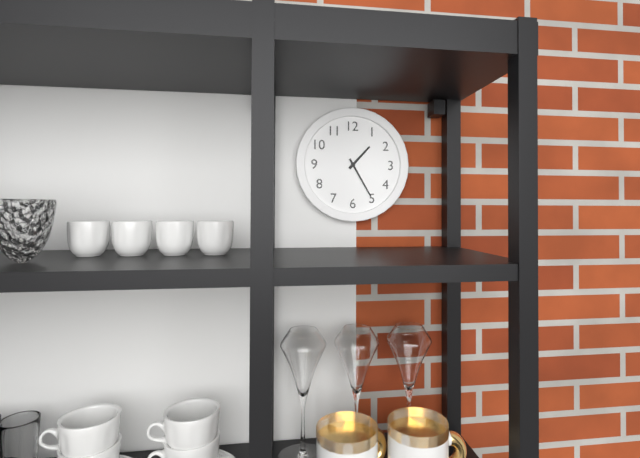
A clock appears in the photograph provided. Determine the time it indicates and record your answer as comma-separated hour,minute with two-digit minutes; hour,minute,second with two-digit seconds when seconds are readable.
1,25
